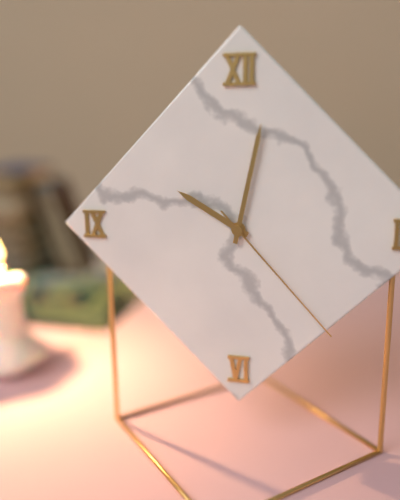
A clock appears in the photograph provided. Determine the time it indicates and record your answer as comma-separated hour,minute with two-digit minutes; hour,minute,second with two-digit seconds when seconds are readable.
10,02,23
